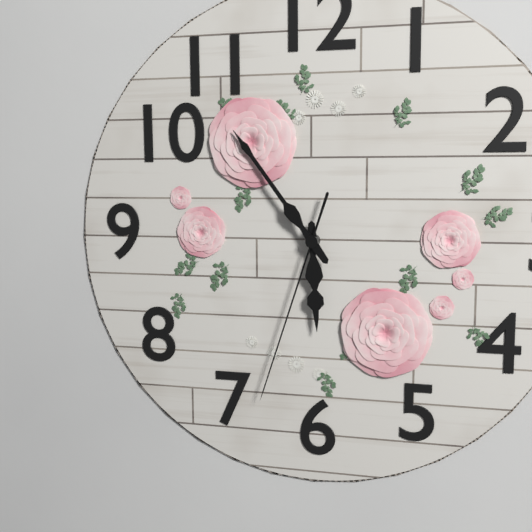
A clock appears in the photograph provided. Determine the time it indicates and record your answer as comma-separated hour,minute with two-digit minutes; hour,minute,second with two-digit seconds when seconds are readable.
5,54,33
